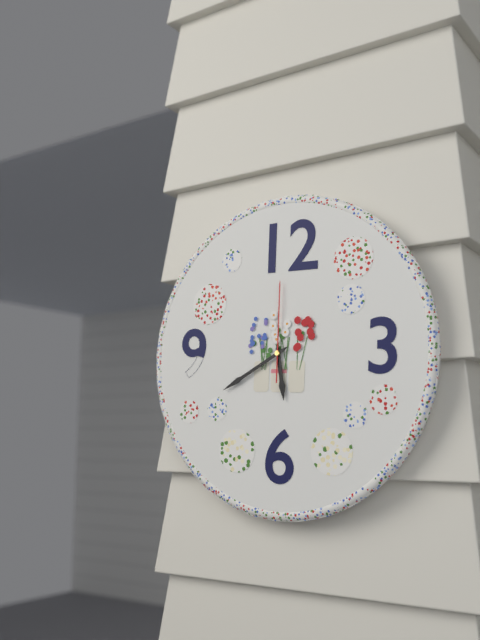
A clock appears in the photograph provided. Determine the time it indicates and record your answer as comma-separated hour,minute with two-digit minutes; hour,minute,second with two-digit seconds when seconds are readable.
5,40,00
